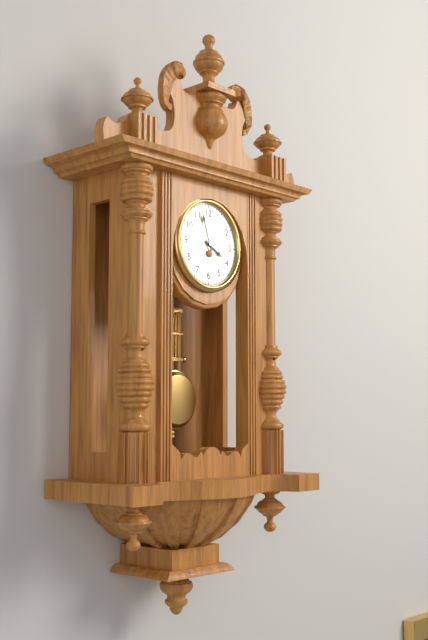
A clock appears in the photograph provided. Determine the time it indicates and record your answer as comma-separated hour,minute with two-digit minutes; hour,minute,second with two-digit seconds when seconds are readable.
3,57
